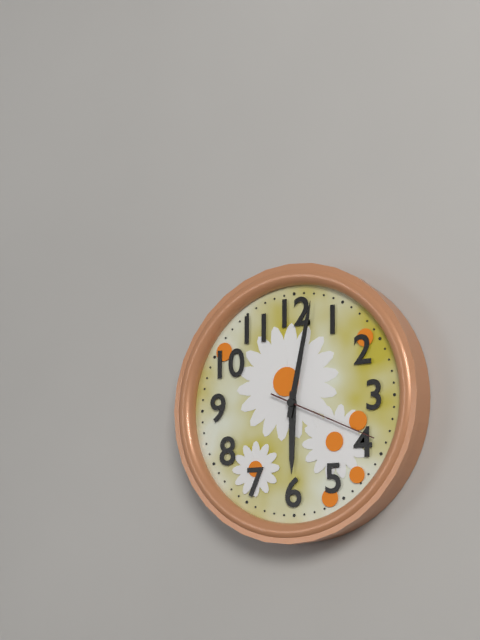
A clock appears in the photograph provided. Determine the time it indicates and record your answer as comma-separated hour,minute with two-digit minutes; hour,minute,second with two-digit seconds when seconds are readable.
6,02,19
